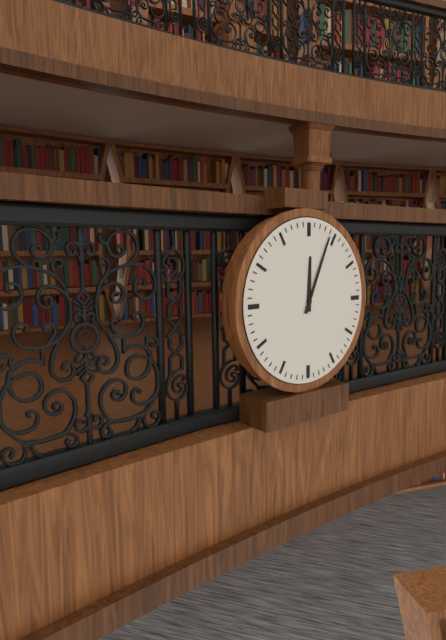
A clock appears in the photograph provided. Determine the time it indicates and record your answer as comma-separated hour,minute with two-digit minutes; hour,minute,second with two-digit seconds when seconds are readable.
12,04
